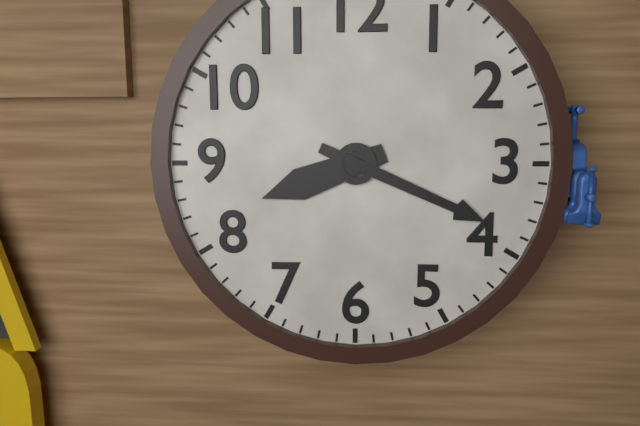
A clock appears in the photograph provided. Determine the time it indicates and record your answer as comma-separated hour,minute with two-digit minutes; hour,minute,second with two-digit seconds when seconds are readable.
8,19
